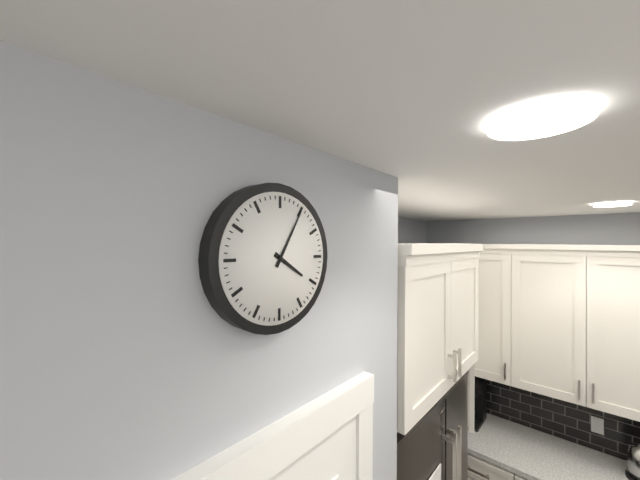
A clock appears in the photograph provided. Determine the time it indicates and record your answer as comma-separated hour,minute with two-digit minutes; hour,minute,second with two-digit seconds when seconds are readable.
4,05
